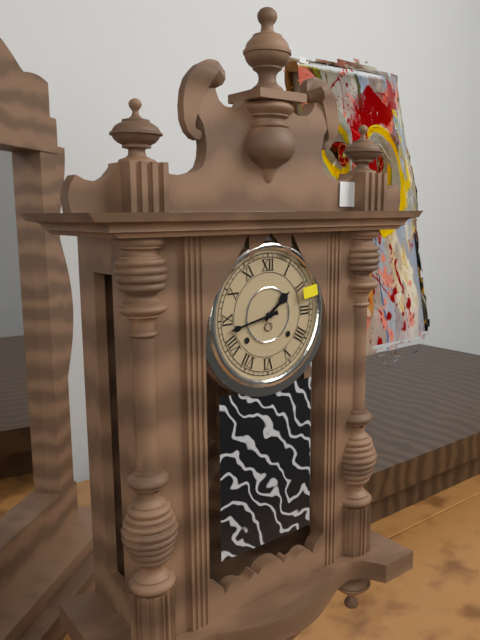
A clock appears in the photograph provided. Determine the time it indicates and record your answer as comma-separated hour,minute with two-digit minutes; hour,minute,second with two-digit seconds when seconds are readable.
1,43
